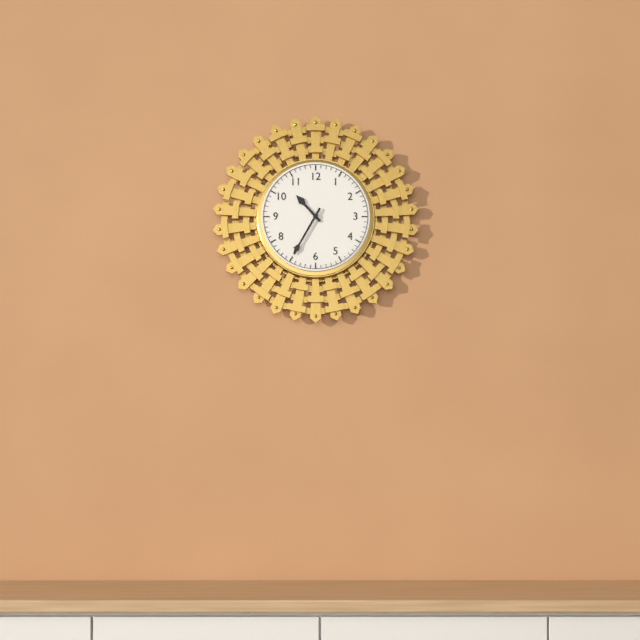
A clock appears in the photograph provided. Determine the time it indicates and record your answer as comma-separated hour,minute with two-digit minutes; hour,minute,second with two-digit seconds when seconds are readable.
10,35
